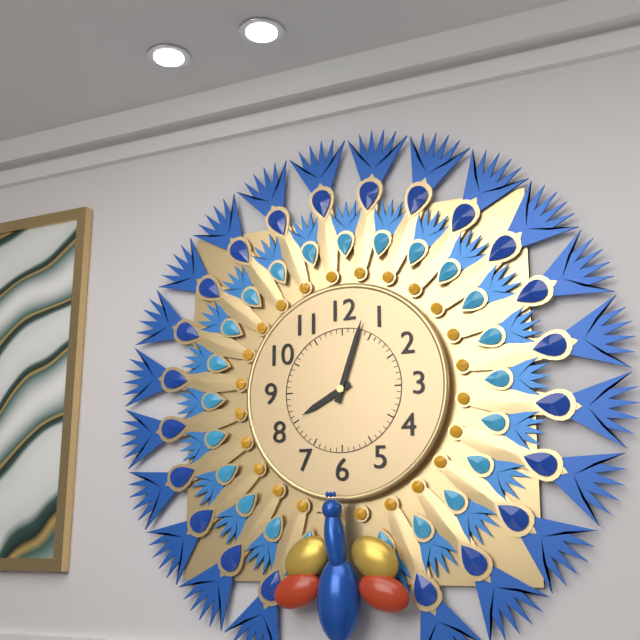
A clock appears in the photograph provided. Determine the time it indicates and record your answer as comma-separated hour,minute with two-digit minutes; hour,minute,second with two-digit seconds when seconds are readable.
8,03
